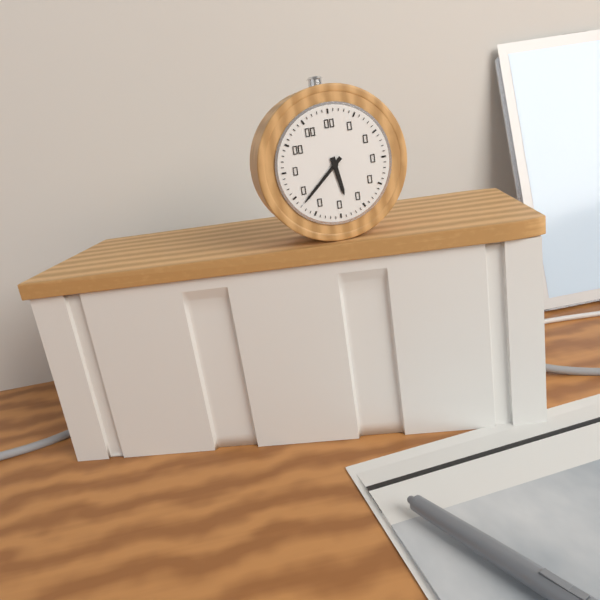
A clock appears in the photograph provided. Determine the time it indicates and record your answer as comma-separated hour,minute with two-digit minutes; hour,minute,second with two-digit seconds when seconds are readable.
5,38
